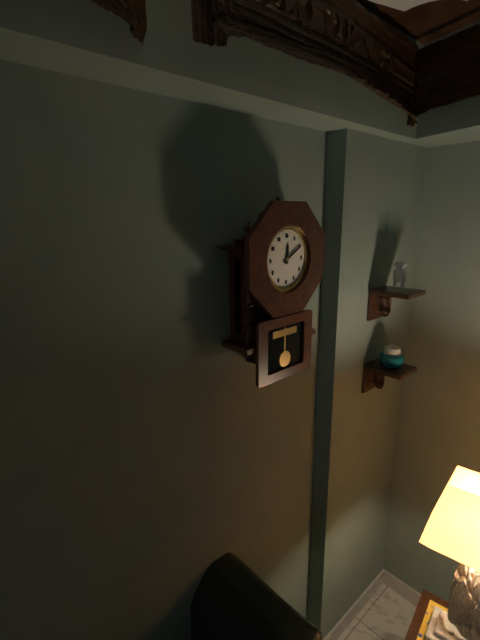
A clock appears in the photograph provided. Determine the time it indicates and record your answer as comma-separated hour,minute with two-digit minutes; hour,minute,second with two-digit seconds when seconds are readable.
12,10
